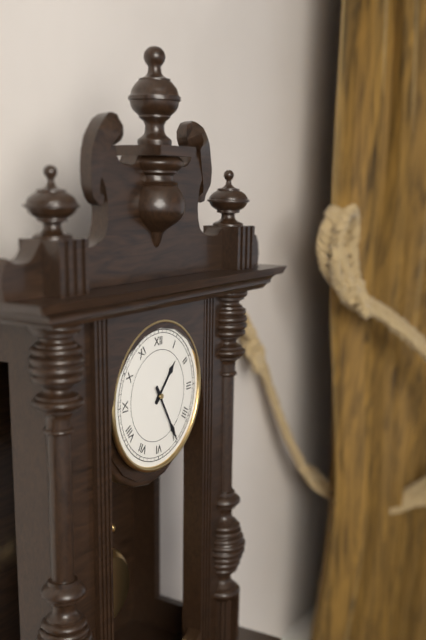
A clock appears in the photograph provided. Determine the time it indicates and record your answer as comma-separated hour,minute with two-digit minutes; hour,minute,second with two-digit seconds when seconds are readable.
1,25
